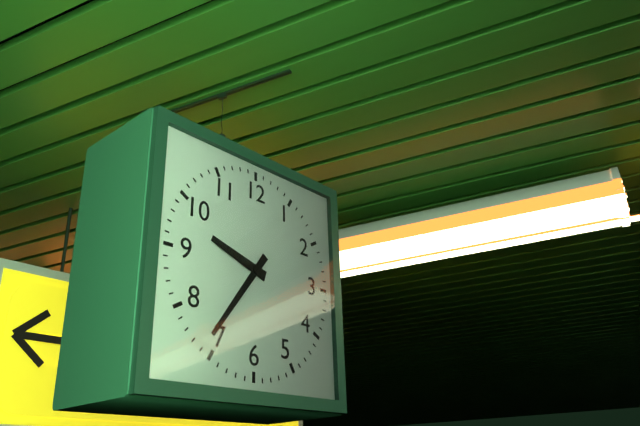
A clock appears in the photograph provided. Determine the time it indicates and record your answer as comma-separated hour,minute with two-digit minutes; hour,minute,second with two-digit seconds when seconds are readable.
9,36
